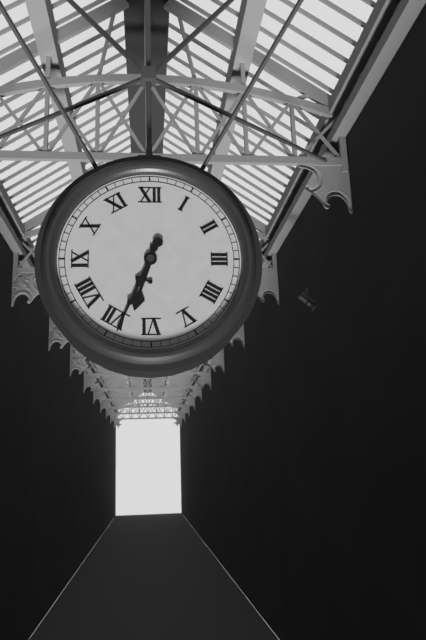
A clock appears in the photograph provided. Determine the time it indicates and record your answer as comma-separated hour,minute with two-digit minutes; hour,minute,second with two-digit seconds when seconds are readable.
6,34
